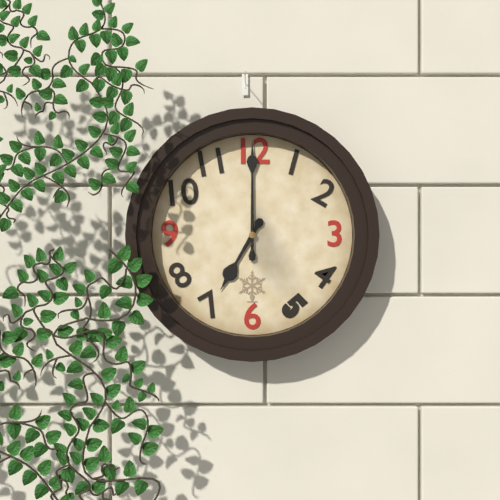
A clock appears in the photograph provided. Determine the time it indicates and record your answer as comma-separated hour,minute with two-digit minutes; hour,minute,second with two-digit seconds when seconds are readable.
7,00
